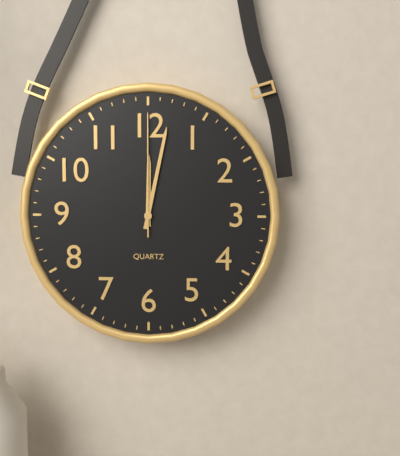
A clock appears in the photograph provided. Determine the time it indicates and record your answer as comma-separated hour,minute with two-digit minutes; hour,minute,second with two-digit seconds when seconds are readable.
12,02,00
